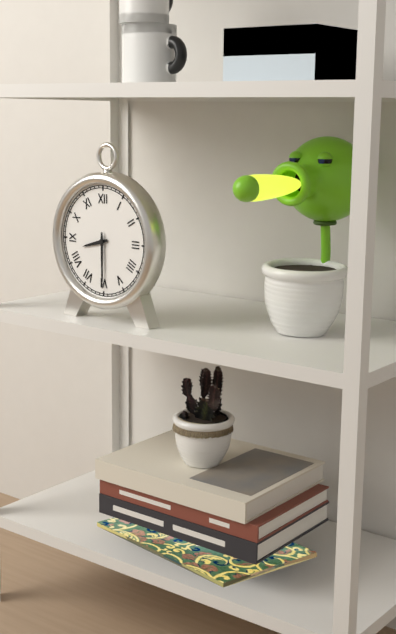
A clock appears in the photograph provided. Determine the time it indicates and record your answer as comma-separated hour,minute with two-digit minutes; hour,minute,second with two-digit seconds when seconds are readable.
8,30
